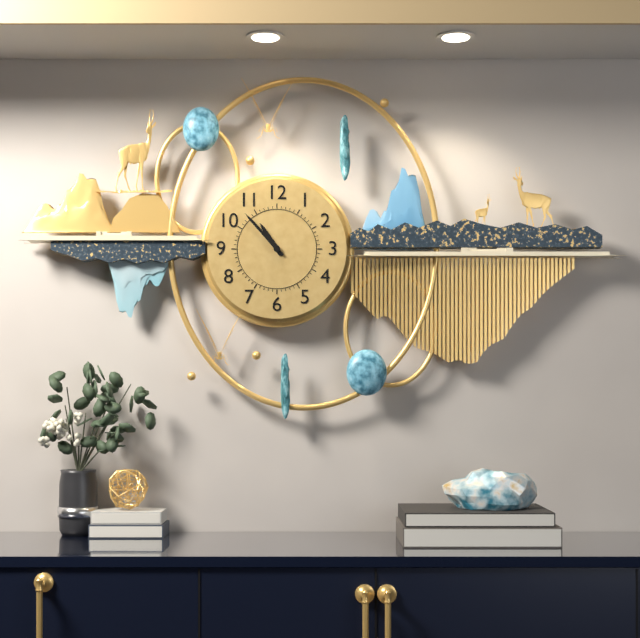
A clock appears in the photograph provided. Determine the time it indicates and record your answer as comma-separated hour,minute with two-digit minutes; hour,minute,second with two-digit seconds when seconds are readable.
10,53
